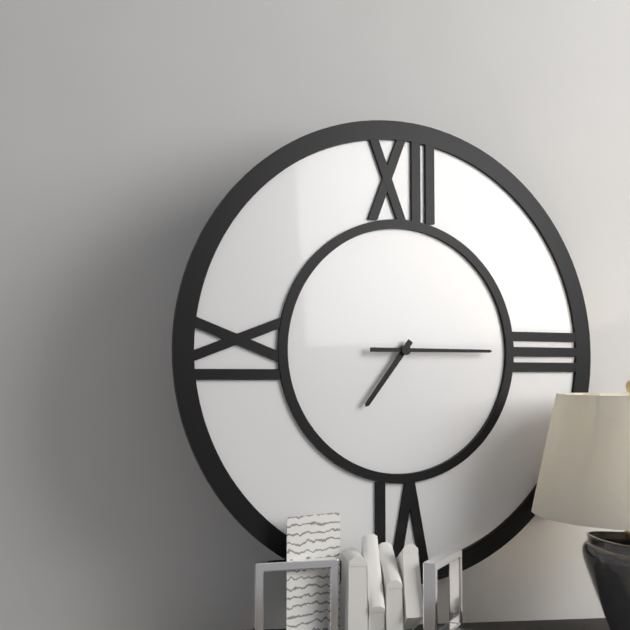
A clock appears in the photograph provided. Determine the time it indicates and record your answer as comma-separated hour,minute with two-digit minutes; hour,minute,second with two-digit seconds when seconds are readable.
7,15
